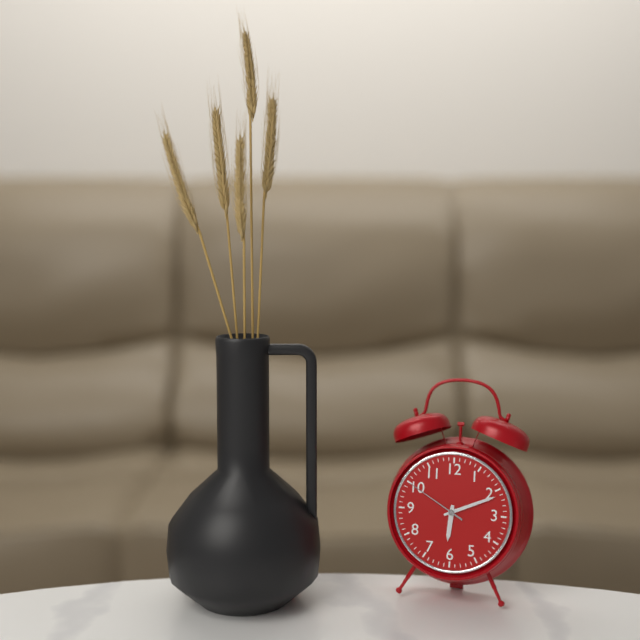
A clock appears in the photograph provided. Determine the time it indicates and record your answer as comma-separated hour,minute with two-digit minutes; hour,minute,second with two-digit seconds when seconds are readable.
6,11,50
